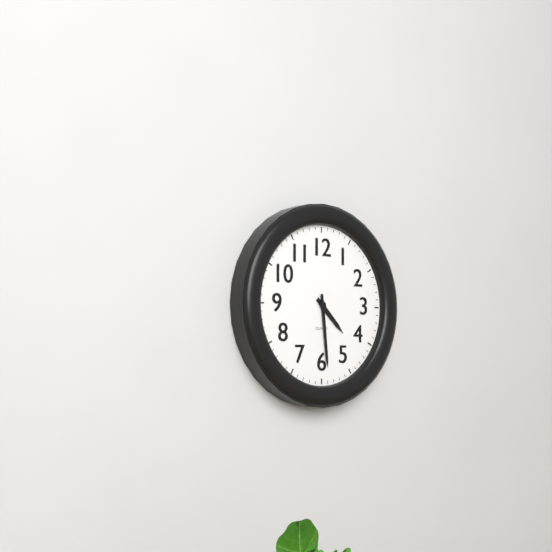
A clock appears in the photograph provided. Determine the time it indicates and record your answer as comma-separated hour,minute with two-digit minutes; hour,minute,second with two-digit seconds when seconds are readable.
4,29
